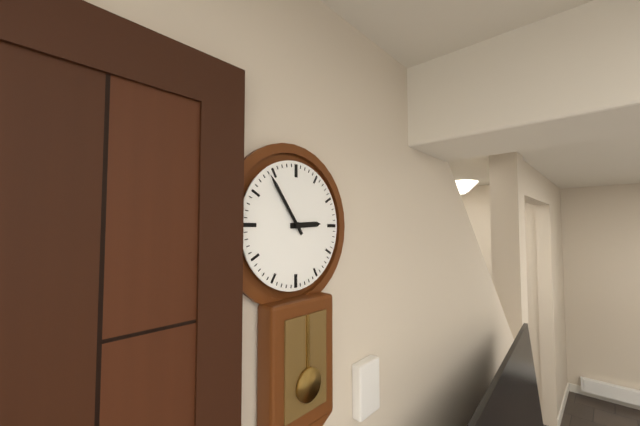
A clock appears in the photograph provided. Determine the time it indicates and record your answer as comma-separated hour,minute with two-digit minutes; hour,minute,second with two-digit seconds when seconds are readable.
2,54
